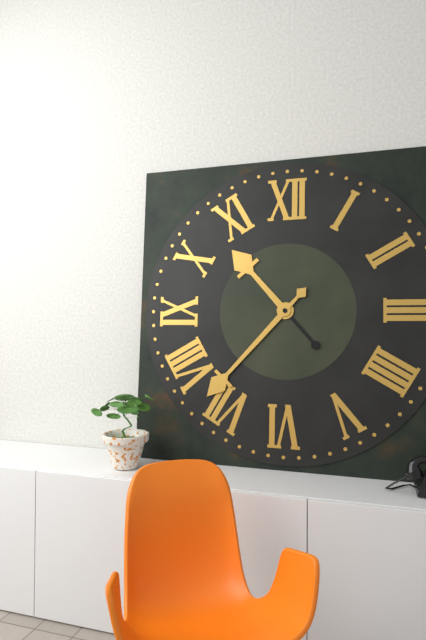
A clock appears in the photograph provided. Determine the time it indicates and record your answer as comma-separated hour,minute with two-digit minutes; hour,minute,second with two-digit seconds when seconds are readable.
10,37
